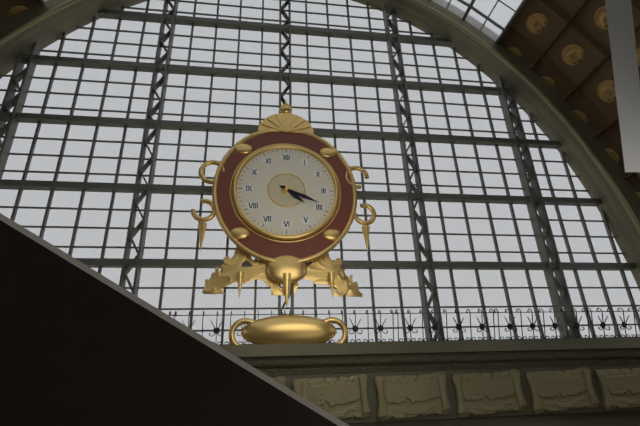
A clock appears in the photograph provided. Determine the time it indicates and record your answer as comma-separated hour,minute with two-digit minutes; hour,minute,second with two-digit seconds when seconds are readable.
4,19
